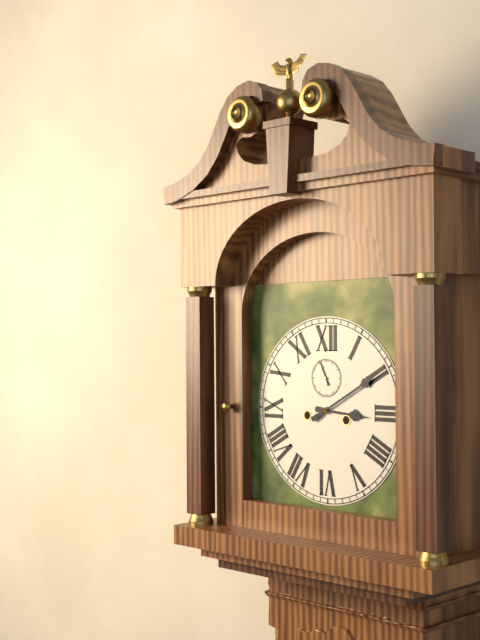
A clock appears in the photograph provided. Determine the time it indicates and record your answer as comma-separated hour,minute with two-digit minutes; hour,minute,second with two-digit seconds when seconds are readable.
3,10
